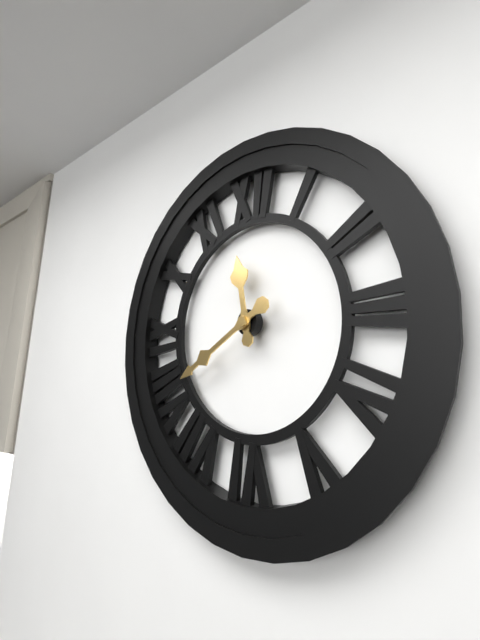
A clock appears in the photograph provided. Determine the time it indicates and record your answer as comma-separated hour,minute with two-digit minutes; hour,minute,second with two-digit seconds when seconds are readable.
11,40
